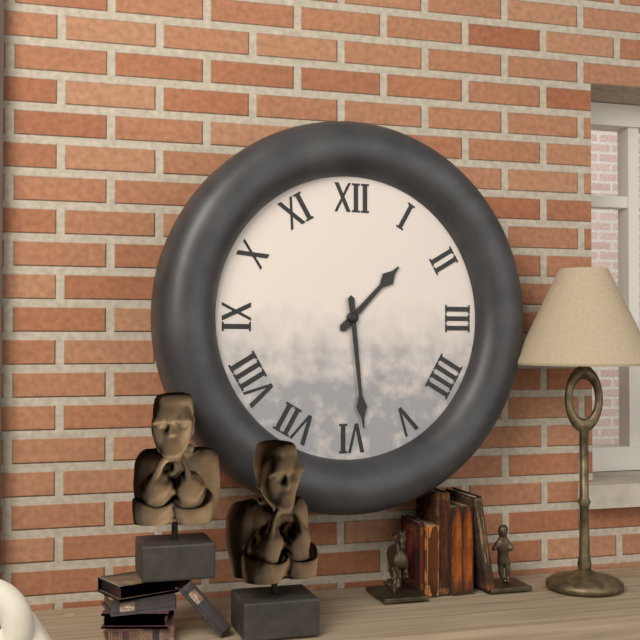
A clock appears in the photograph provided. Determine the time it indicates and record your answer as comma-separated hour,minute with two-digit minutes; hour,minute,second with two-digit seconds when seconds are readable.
1,29
